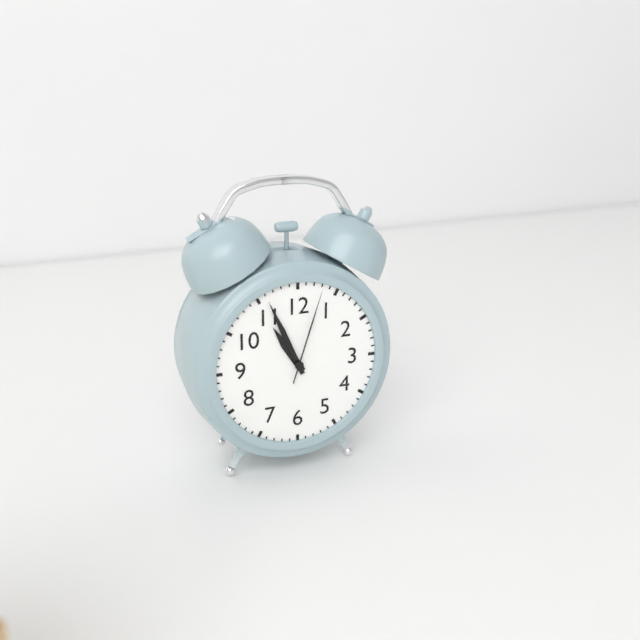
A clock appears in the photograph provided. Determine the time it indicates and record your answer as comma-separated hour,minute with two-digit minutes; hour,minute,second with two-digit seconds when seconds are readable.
10,56,03
